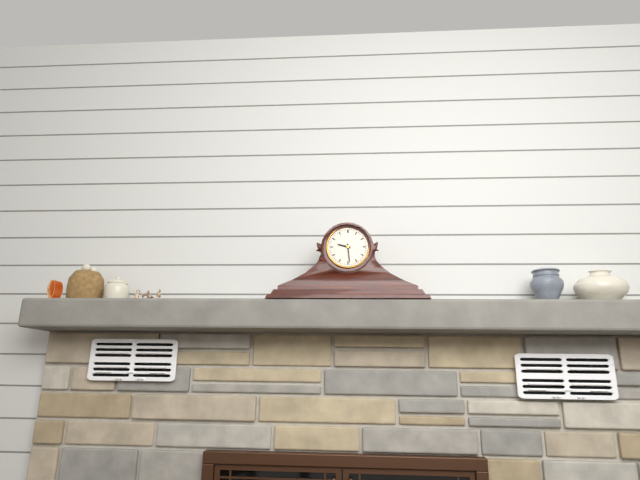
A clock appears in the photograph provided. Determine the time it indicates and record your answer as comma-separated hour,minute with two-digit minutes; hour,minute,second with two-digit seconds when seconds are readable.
9,29
